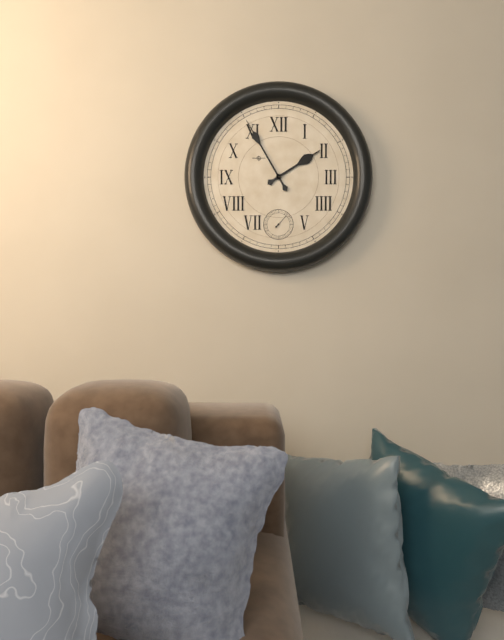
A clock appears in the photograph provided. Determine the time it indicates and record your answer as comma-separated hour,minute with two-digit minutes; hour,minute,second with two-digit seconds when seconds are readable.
1,55
